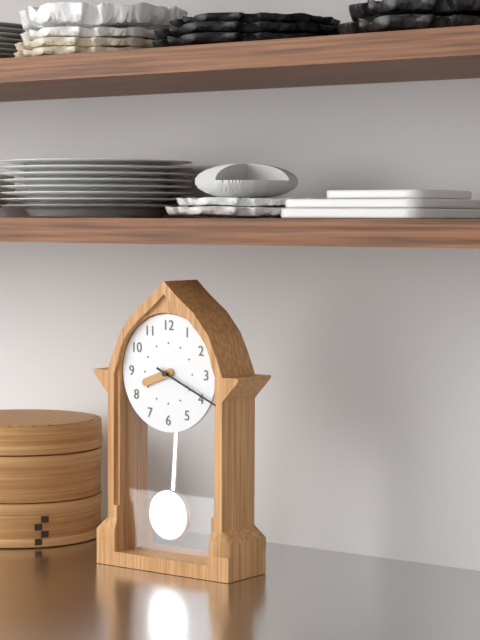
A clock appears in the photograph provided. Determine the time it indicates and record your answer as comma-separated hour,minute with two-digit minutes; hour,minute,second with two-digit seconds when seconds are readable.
8,19
